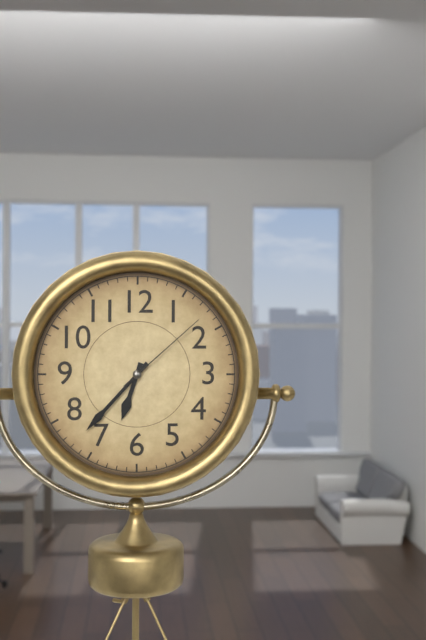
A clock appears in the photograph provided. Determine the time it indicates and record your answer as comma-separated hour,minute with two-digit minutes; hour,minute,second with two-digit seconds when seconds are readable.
6,37,08
